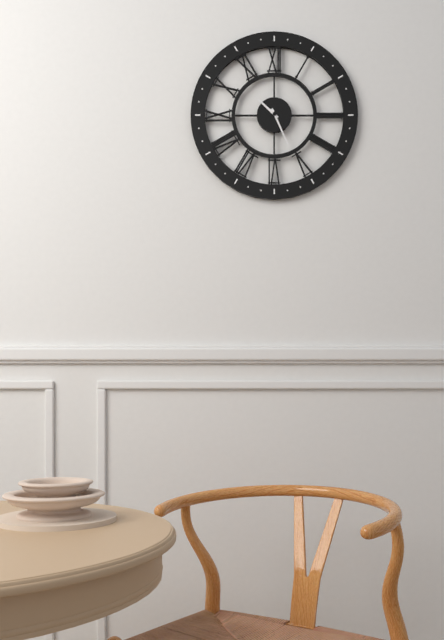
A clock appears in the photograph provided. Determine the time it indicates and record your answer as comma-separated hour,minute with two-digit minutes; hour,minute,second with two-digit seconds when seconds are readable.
10,26
